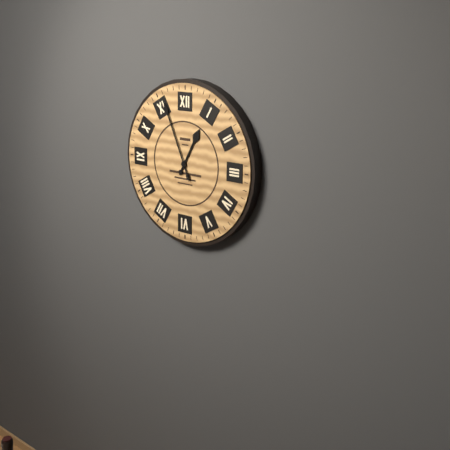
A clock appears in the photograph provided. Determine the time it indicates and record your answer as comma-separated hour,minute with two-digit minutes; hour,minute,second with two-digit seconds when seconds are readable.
12,56
